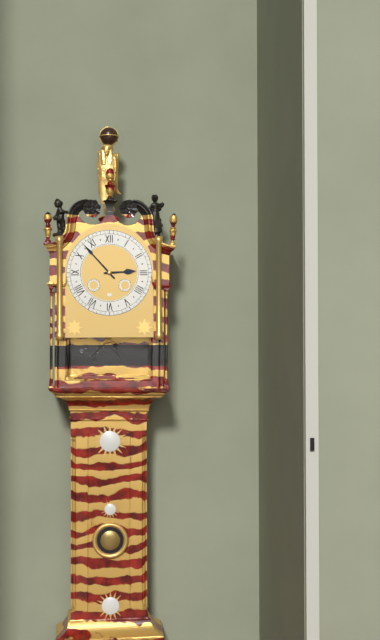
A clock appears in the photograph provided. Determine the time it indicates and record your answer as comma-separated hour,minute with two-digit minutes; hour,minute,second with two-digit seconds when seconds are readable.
2,53
